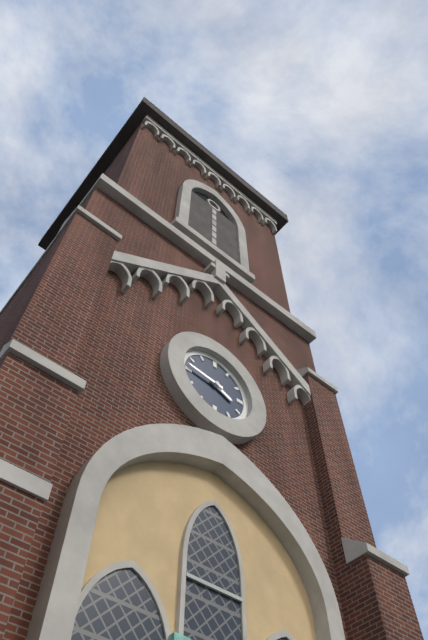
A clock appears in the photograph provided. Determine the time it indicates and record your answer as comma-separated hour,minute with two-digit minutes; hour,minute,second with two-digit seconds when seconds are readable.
3,46
